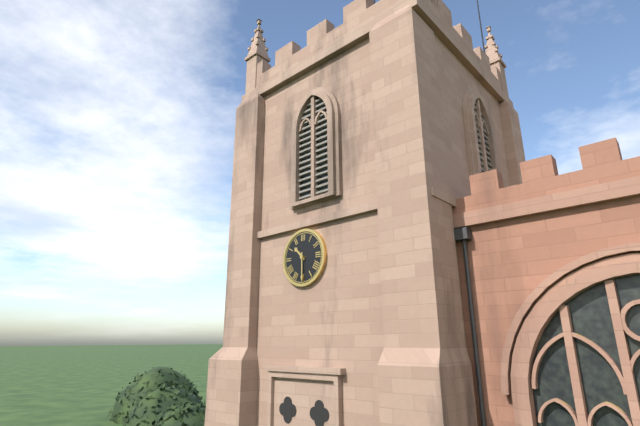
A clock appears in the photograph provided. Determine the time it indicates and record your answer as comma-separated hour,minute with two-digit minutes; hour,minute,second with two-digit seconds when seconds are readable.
10,30
